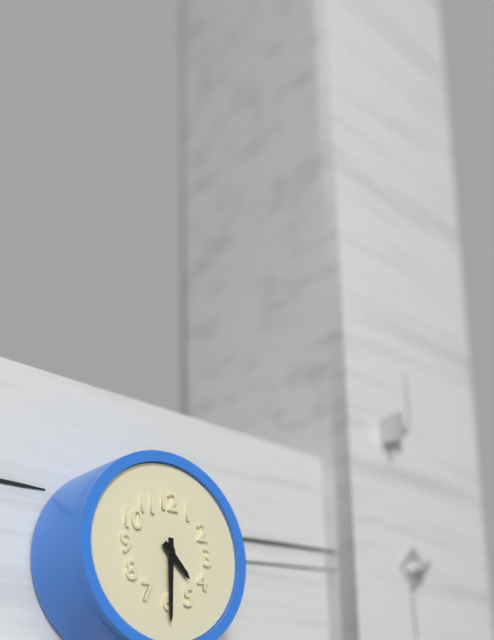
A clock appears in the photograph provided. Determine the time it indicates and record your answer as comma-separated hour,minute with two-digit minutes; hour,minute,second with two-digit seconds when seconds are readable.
4,30
